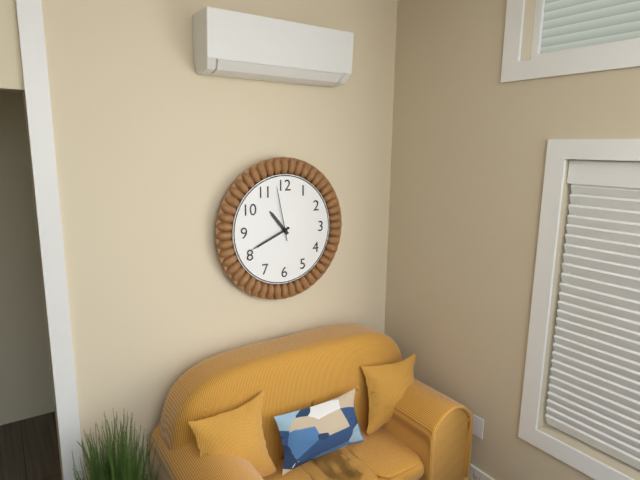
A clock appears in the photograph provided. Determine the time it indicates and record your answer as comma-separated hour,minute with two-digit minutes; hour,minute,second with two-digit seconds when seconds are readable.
10,41,58
